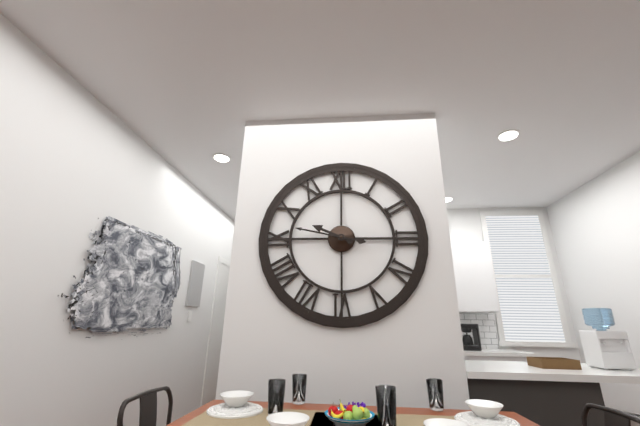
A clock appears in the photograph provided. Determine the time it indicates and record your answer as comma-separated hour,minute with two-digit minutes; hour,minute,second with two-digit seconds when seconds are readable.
9,47
